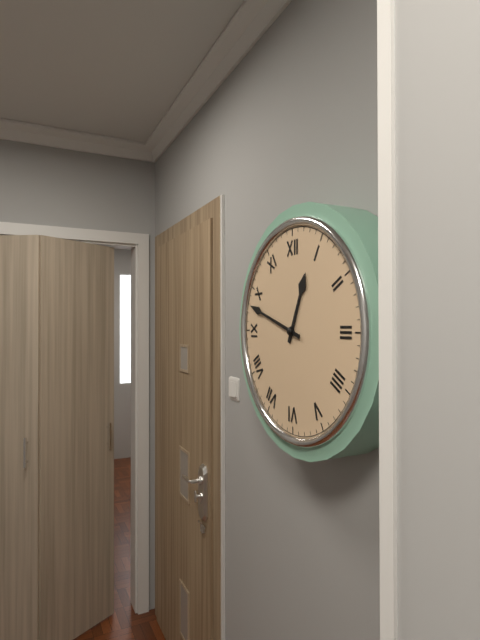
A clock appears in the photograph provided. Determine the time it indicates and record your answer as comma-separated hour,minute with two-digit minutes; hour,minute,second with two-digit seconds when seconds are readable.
12,48
